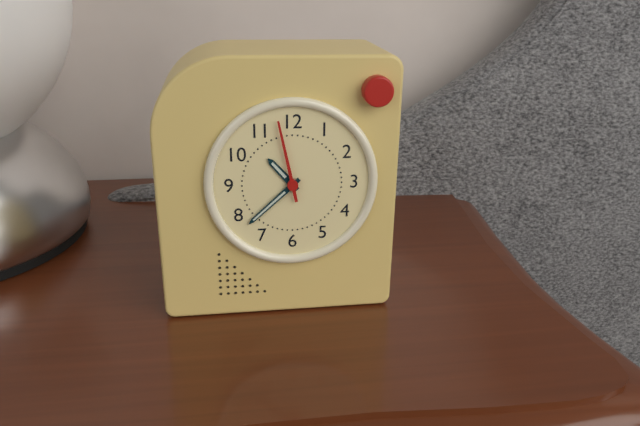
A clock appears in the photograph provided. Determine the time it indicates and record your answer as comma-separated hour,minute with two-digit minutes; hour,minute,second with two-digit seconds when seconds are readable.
10,38,58
